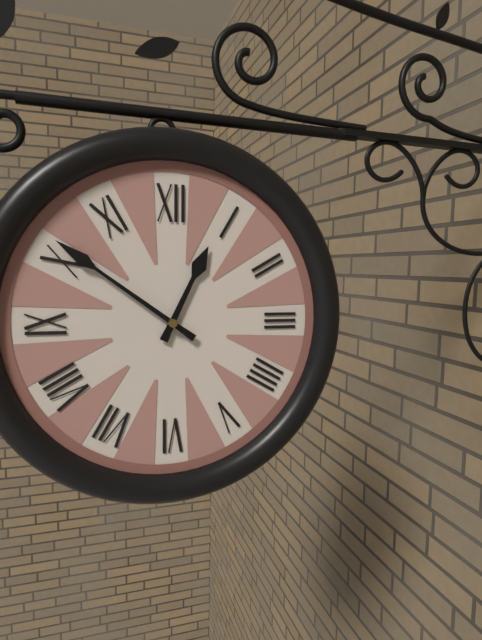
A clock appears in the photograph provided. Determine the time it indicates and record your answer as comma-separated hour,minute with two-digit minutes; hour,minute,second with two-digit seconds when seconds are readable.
12,51
